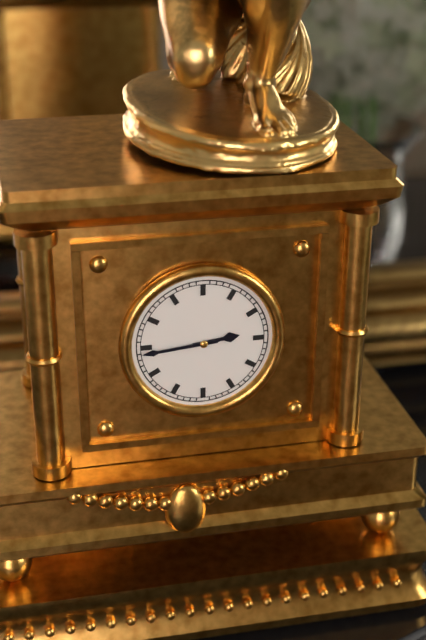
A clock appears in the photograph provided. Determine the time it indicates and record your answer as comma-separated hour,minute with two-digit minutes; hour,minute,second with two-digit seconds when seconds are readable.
2,44
